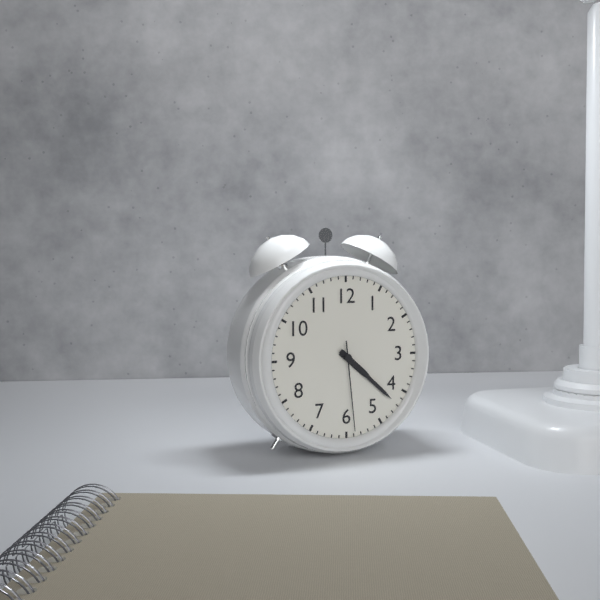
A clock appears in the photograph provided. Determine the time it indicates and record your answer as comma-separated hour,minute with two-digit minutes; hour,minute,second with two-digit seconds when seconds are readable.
4,22,29
